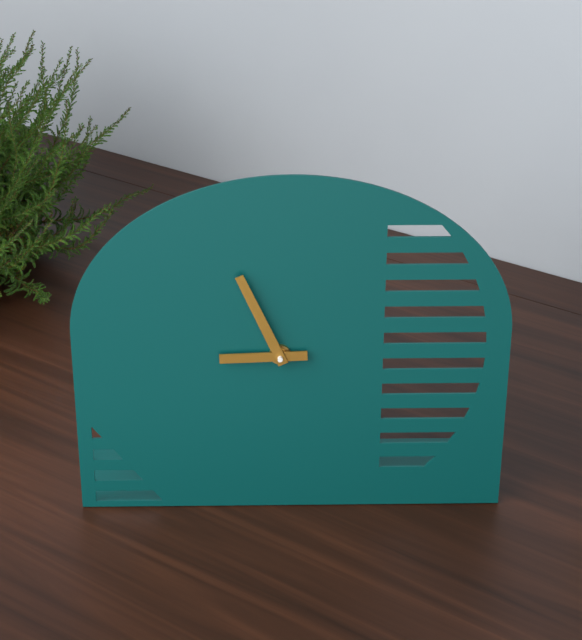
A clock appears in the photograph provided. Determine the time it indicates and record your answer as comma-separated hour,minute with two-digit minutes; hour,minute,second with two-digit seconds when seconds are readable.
8,56
